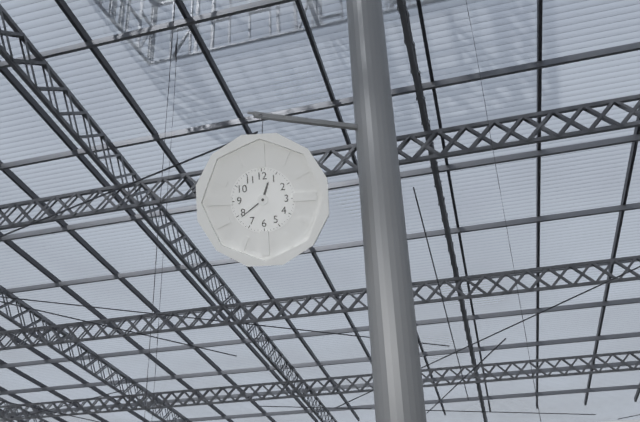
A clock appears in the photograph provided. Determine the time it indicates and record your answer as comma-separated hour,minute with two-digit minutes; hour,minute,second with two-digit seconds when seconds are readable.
12,39
